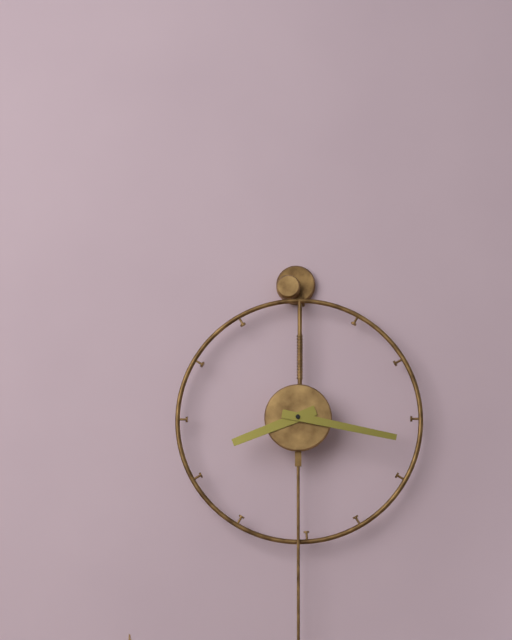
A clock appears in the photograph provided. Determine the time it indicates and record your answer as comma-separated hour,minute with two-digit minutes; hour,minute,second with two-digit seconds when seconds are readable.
8,17
